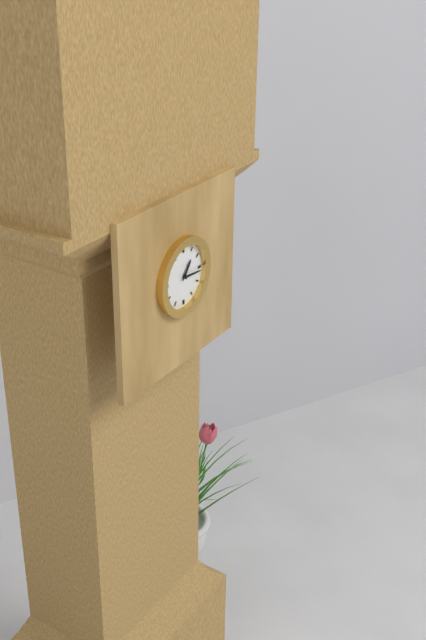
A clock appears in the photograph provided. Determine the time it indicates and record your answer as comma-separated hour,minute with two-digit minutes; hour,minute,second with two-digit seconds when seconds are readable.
1,16
